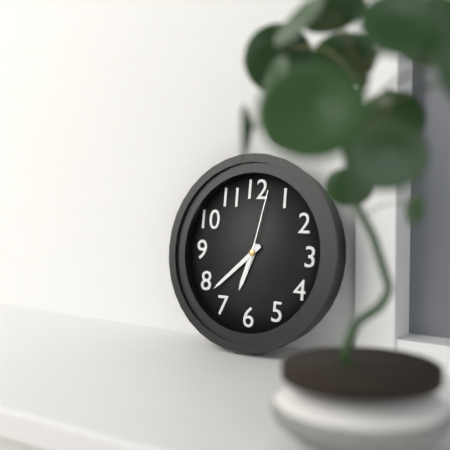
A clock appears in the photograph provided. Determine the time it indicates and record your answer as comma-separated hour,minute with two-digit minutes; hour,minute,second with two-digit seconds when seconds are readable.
6,38,02
